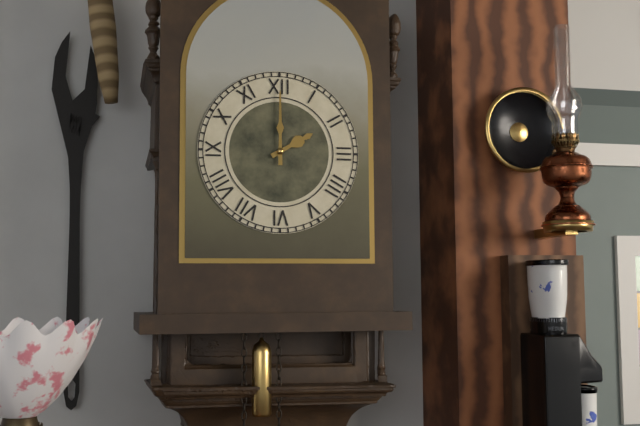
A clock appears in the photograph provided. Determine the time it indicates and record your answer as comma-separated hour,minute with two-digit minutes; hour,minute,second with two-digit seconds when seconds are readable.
2,00
